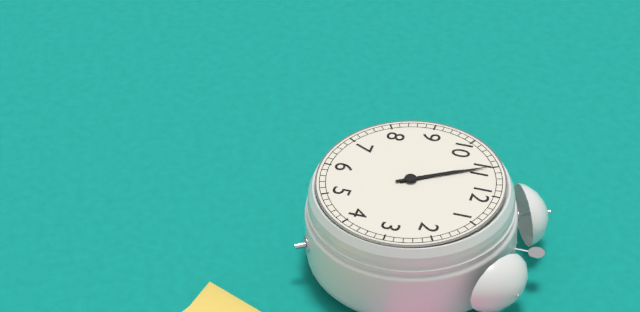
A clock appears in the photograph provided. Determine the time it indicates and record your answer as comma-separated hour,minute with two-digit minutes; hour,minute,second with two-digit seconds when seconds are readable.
10,55
